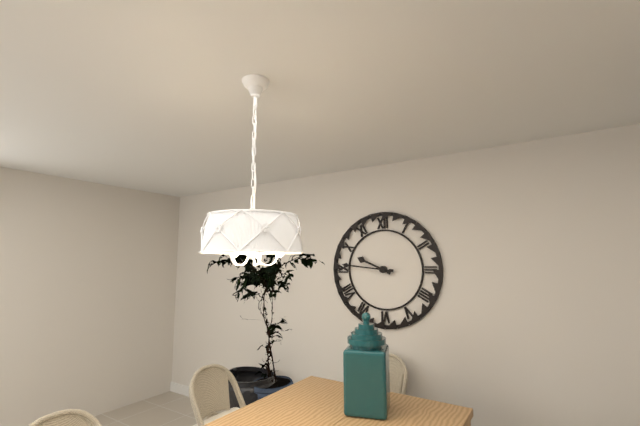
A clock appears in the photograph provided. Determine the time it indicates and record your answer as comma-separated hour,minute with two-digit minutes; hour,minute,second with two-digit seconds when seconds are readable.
9,46
